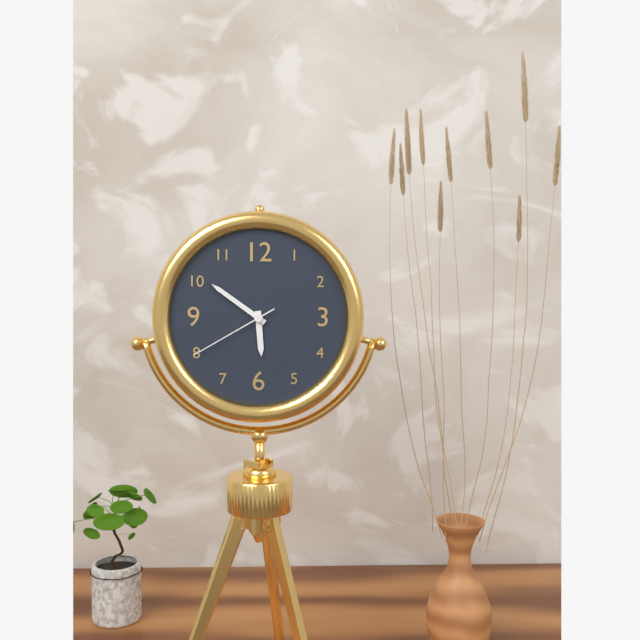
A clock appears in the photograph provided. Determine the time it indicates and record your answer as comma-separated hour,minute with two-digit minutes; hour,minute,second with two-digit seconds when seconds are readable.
5,51,40
